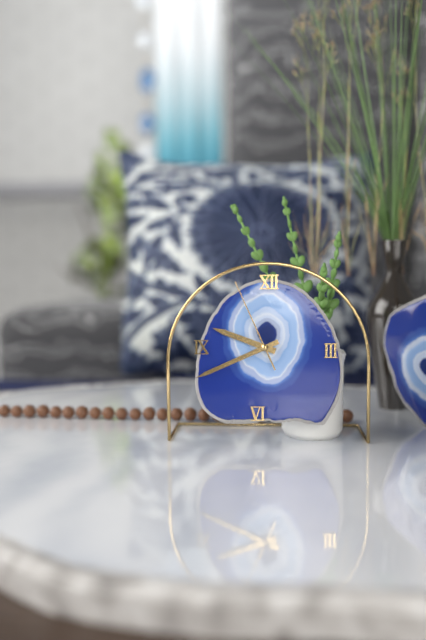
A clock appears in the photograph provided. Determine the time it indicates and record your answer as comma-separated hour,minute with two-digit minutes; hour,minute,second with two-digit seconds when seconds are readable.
9,41,56
